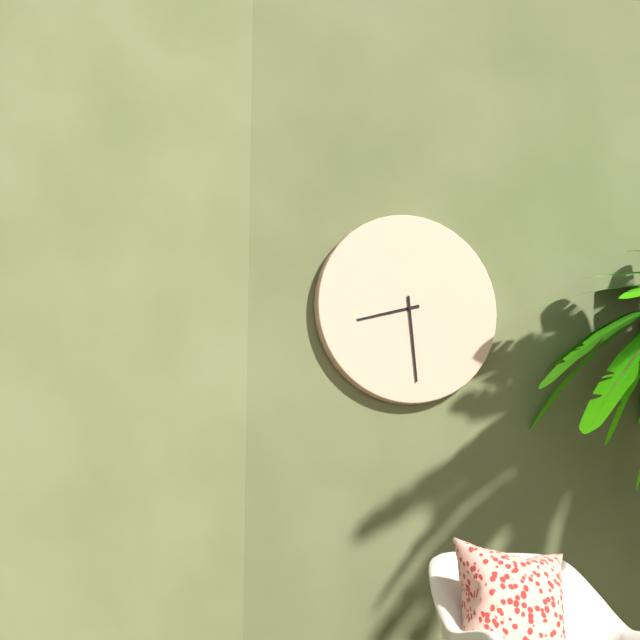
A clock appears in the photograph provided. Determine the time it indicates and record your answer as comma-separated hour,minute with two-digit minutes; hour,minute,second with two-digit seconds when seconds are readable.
8,29
